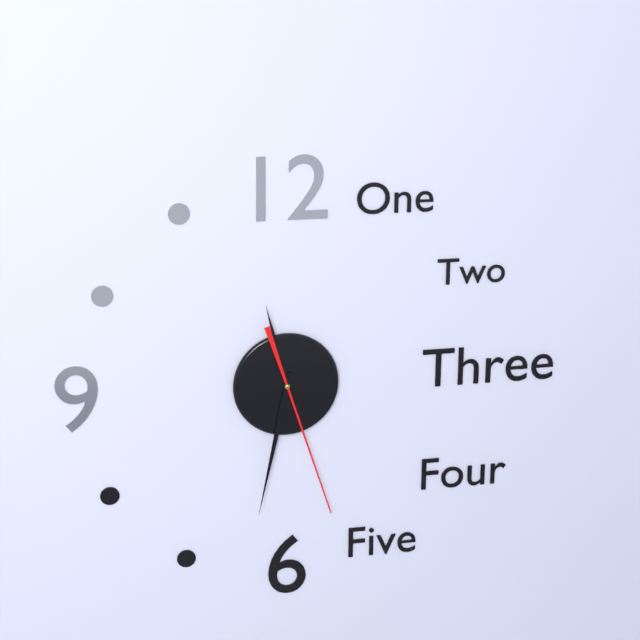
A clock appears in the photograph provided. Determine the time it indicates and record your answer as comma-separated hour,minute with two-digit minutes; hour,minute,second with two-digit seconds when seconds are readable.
11,32,27
